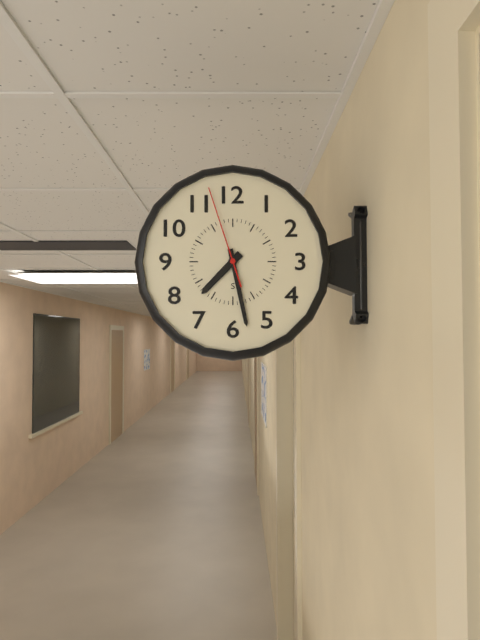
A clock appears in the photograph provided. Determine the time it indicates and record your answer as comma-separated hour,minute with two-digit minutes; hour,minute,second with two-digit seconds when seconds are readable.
7,28,57
